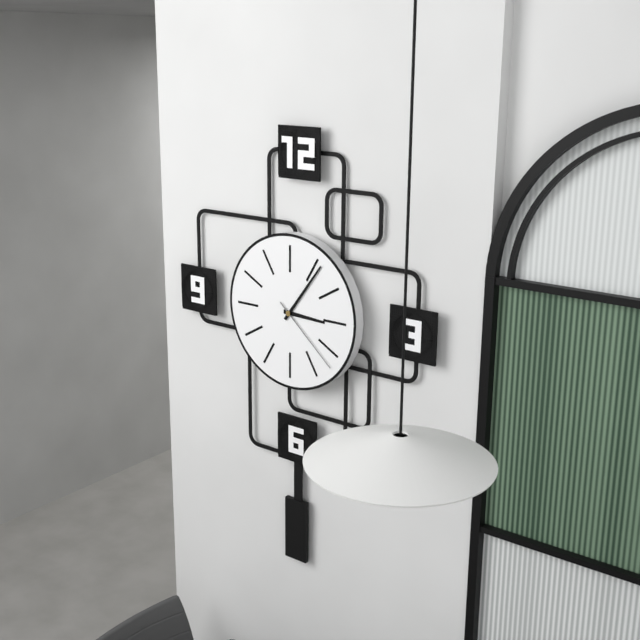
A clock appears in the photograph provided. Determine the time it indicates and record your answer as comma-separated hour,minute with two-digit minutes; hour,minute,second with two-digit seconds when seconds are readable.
3,06,22
